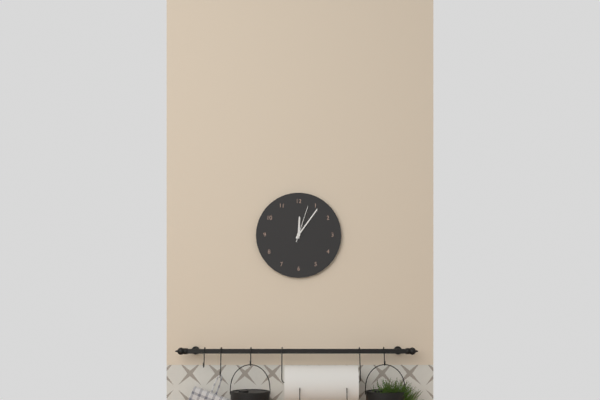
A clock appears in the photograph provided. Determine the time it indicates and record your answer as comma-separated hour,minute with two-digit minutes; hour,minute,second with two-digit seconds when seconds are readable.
12,06
